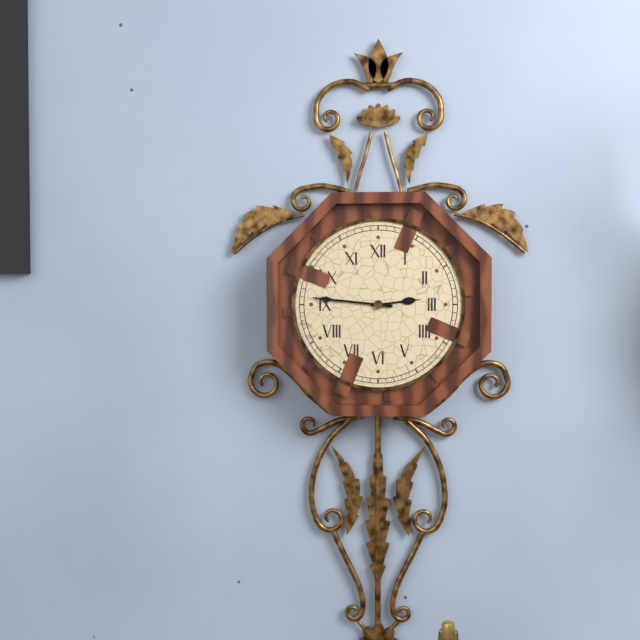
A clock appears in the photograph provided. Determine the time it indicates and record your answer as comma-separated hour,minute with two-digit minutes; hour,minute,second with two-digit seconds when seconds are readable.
2,46
